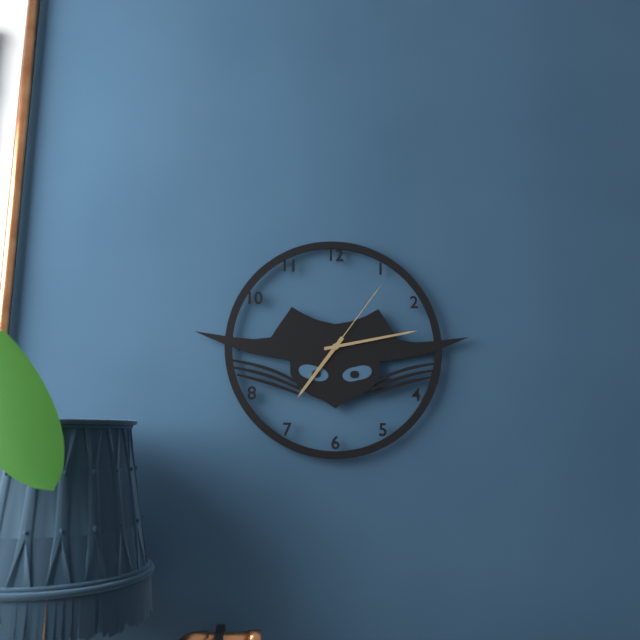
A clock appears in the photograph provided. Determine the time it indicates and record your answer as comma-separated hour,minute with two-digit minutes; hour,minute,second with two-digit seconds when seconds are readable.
7,13,06
